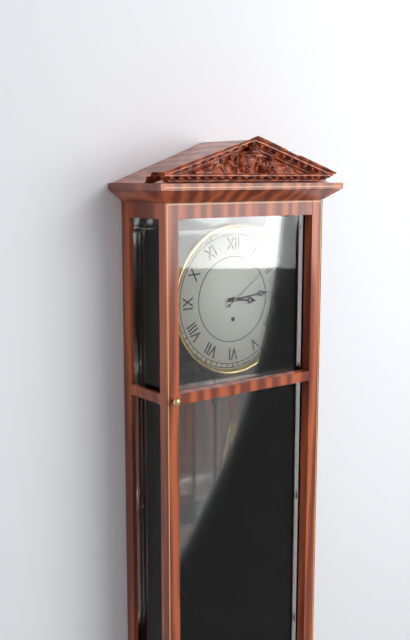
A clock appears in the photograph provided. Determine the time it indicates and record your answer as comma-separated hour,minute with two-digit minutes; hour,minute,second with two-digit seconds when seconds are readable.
3,14,09
